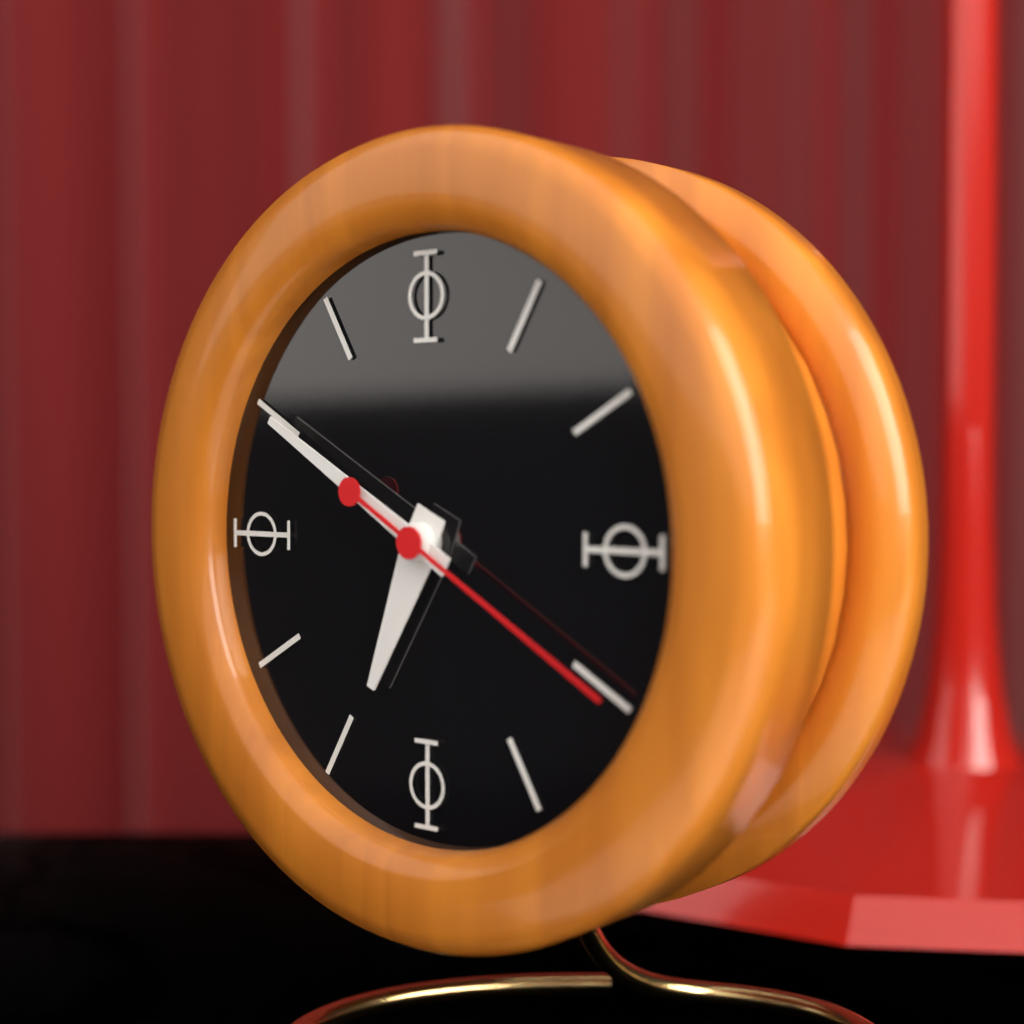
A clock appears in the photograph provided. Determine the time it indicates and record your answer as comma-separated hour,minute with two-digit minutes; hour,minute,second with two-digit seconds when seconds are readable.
6,50,20
